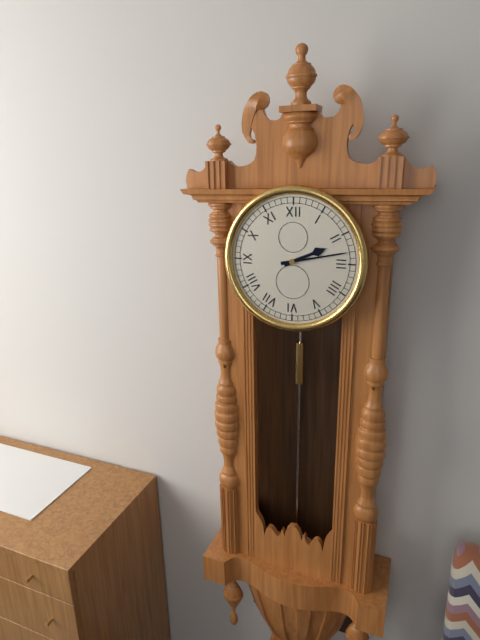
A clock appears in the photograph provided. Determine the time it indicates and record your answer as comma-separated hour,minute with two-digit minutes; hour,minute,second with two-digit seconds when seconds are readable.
2,13
